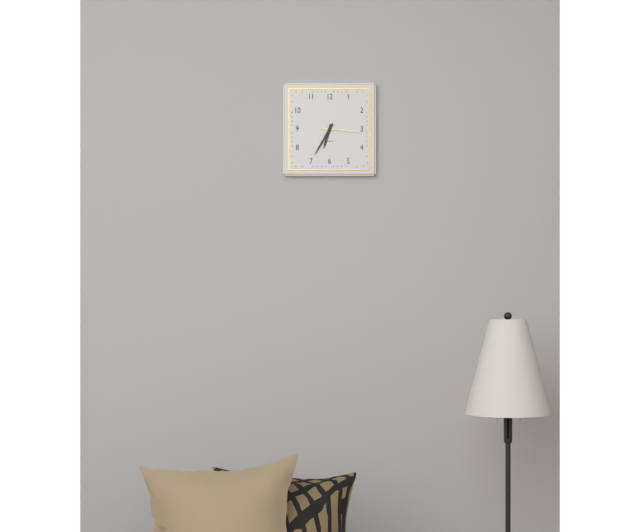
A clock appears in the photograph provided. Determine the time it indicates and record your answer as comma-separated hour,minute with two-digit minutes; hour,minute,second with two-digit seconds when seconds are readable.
6,35
